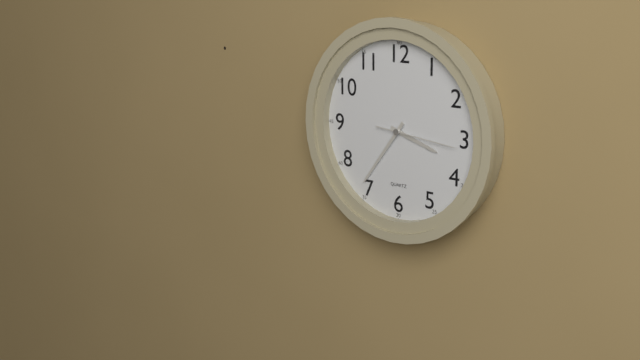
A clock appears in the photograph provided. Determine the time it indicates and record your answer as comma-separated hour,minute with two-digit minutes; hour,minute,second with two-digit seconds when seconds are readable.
3,36,16
